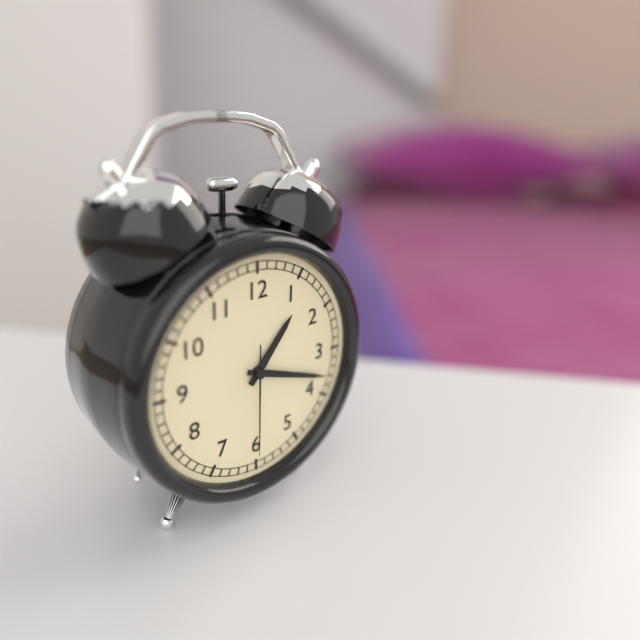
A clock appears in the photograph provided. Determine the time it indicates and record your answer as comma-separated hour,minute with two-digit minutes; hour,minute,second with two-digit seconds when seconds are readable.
1,18,30
